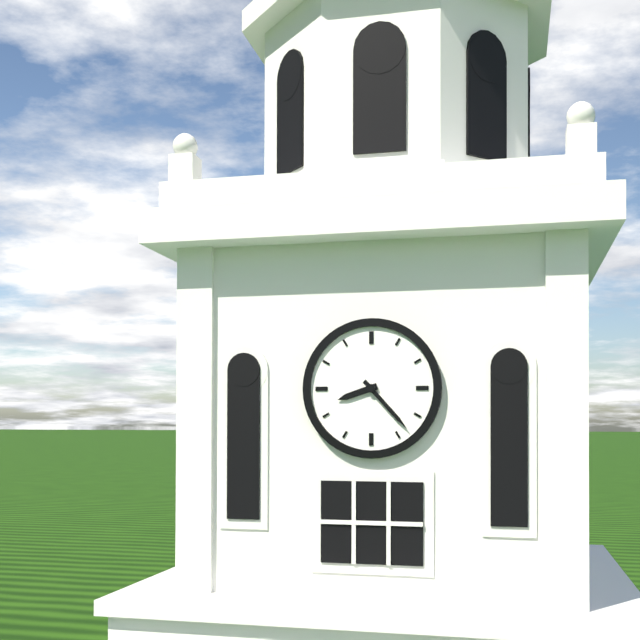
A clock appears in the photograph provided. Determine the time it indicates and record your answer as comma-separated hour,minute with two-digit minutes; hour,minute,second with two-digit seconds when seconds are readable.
8,23
